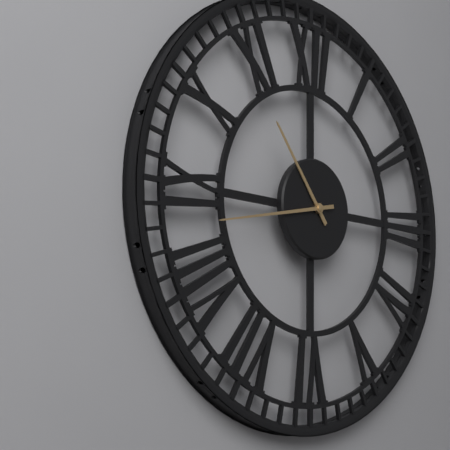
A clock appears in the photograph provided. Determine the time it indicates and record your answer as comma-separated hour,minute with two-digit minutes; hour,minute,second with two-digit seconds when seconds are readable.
10,43
